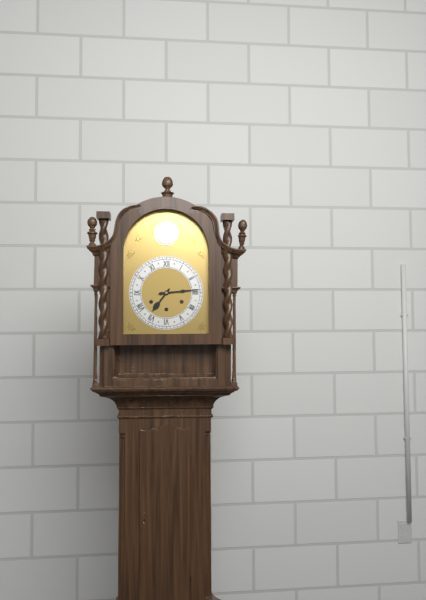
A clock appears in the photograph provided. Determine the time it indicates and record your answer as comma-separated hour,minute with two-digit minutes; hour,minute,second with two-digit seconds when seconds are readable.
7,14
